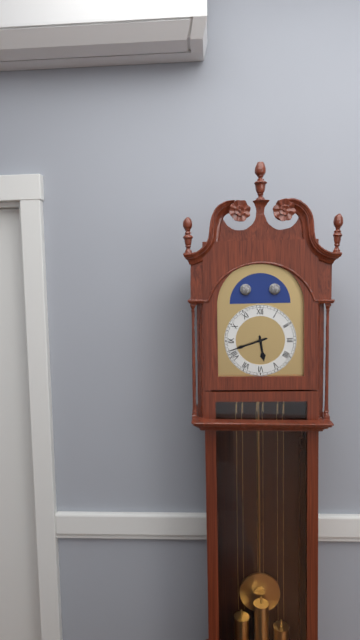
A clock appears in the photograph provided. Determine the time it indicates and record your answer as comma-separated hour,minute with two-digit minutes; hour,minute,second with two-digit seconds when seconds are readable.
5,42
